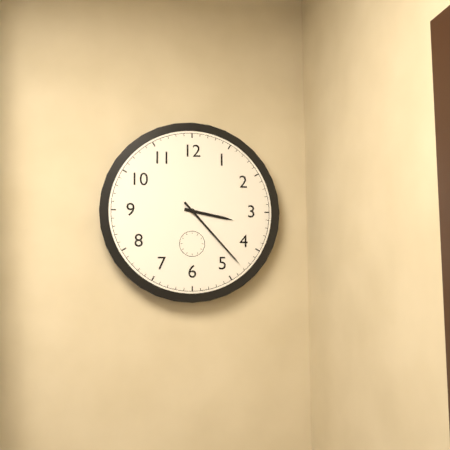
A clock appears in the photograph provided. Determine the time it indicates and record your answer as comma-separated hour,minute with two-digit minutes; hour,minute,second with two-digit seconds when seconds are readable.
3,23
